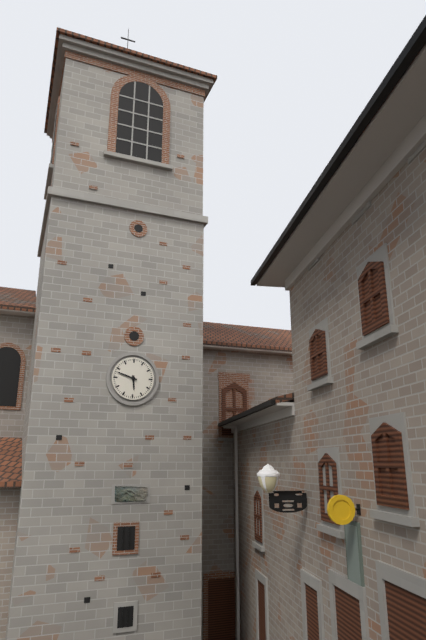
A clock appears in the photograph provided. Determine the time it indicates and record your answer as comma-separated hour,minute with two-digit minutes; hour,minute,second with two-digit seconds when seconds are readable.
5,48
